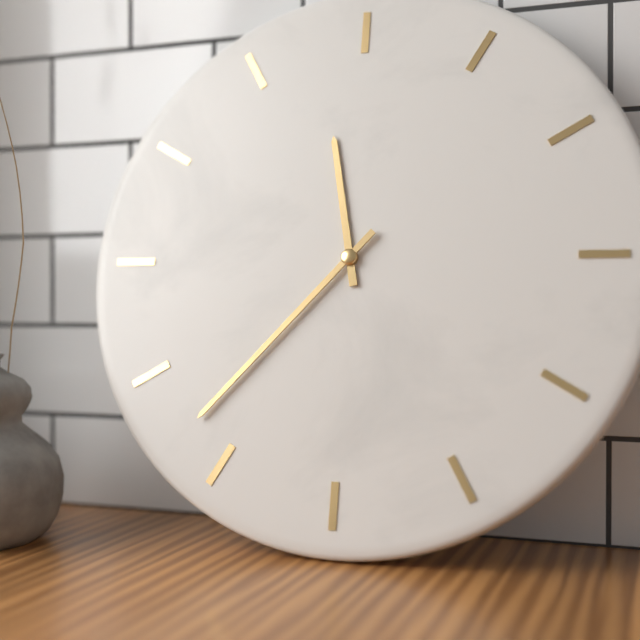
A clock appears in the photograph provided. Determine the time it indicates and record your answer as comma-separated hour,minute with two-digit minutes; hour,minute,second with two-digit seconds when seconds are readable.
11,37
